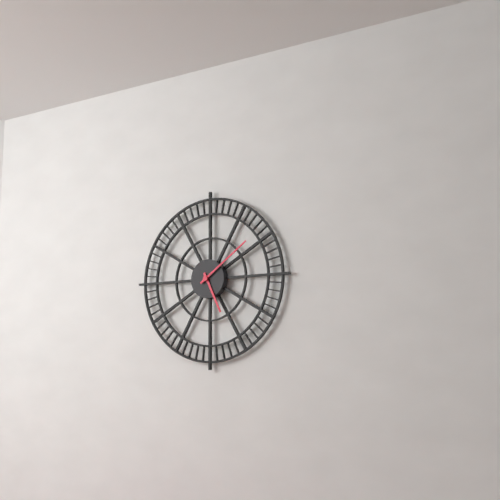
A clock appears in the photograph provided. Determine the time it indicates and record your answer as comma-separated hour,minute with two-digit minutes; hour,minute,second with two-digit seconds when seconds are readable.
5,09
